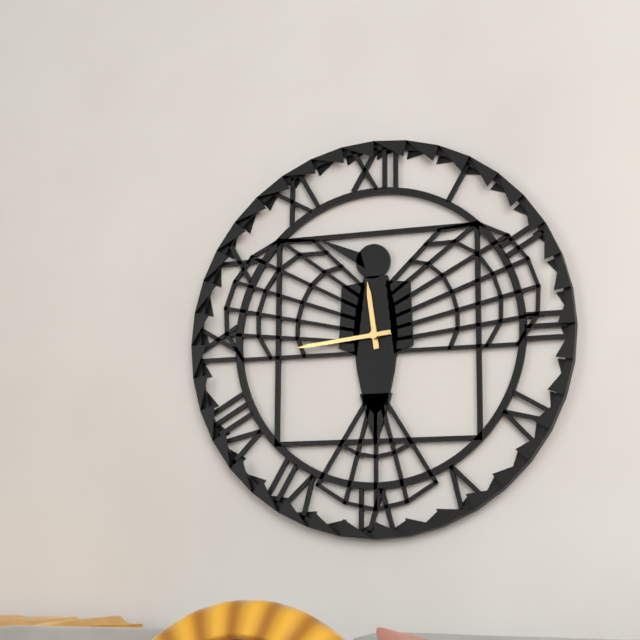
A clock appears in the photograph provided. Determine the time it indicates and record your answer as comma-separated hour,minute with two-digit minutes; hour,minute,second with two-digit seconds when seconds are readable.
11,44
